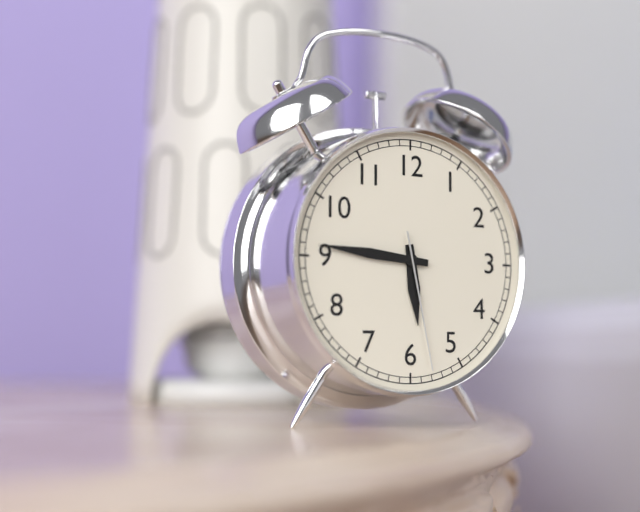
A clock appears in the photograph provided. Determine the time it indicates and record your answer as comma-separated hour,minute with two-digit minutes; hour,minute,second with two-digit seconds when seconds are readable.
5,46,28
